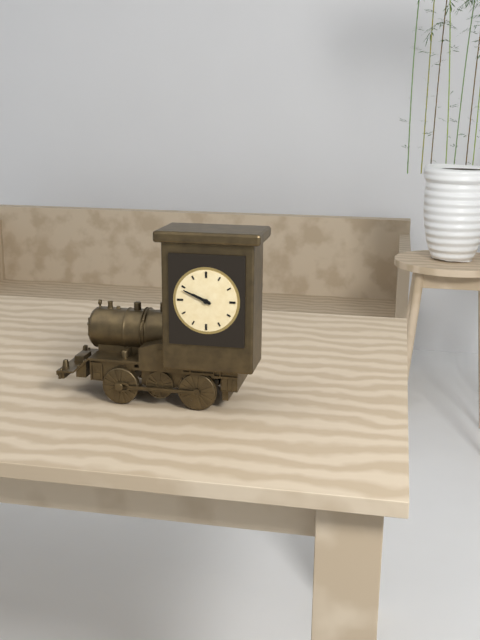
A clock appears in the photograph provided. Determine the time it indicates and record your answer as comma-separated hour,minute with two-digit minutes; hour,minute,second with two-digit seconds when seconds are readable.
9,49
